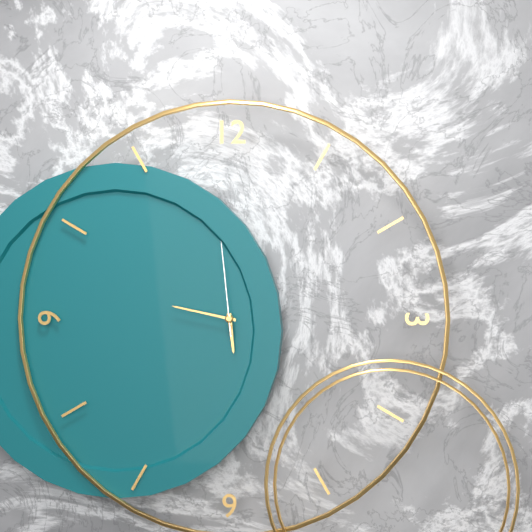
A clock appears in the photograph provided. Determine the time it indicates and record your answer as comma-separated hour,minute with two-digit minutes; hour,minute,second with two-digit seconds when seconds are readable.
5,47,59
